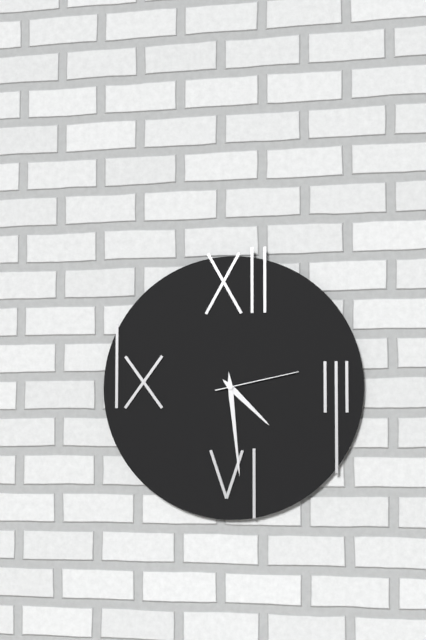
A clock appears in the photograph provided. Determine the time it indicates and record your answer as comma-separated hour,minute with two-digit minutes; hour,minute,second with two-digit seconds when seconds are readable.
4,29,13
